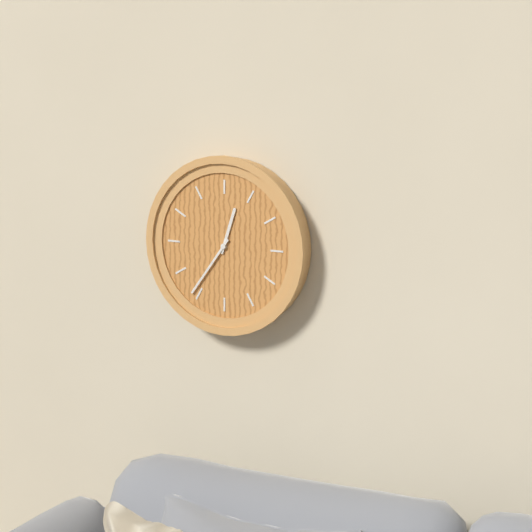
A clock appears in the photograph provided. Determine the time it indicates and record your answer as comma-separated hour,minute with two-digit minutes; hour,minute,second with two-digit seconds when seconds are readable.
12,36
